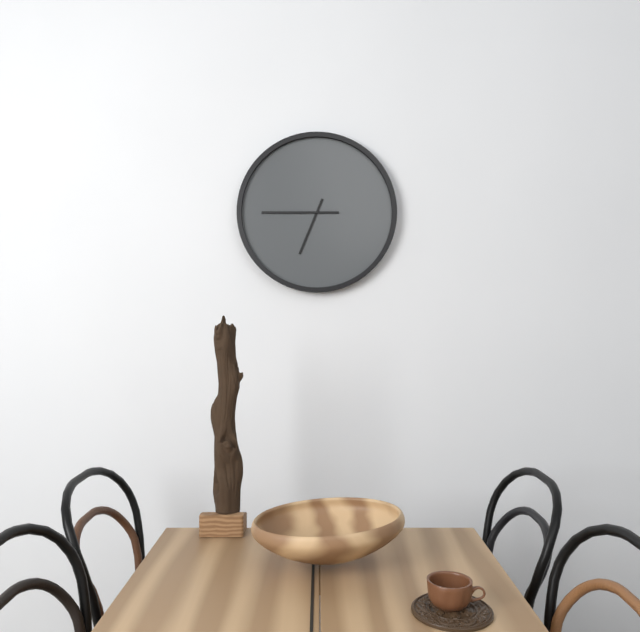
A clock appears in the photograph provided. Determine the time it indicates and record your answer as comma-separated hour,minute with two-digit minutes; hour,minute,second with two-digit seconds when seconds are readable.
6,45
